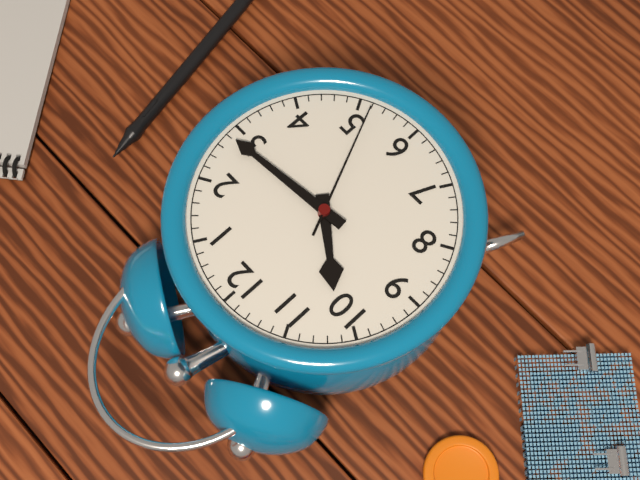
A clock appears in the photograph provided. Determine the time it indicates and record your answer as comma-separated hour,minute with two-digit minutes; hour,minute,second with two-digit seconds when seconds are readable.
10,14,26
